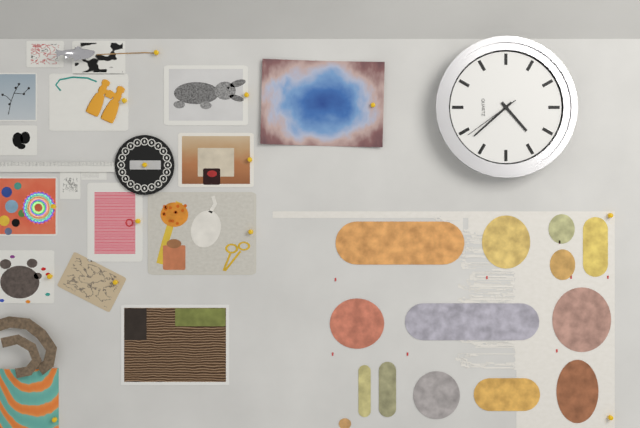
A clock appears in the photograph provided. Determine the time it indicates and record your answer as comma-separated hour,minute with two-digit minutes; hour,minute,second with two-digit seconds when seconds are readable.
4,38,39
